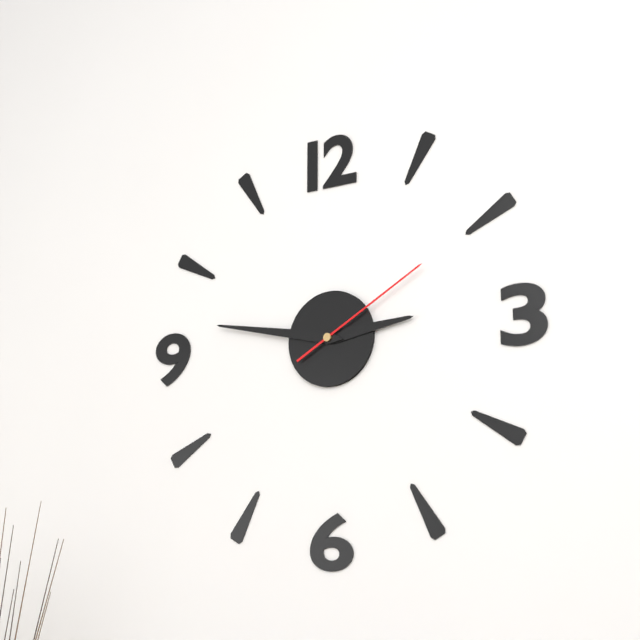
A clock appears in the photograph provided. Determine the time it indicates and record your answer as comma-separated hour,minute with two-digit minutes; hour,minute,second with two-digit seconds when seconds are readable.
2,47,10
